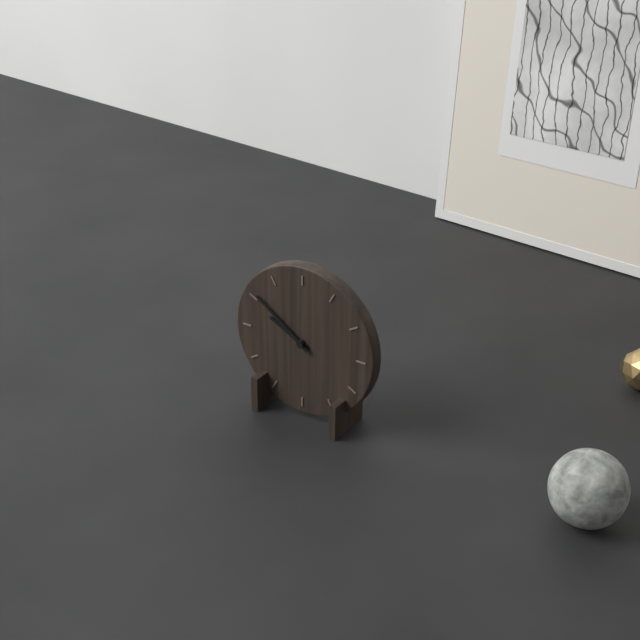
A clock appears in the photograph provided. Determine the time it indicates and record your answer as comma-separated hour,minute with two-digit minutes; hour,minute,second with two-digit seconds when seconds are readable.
9,51
